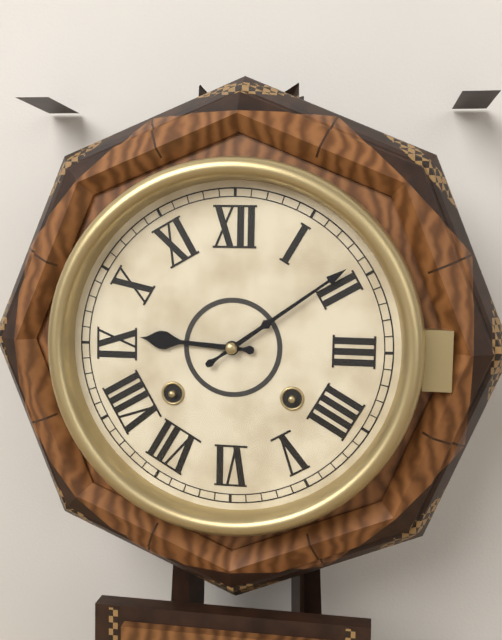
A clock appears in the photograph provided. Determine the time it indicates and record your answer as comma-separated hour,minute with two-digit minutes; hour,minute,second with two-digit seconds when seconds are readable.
9,09
